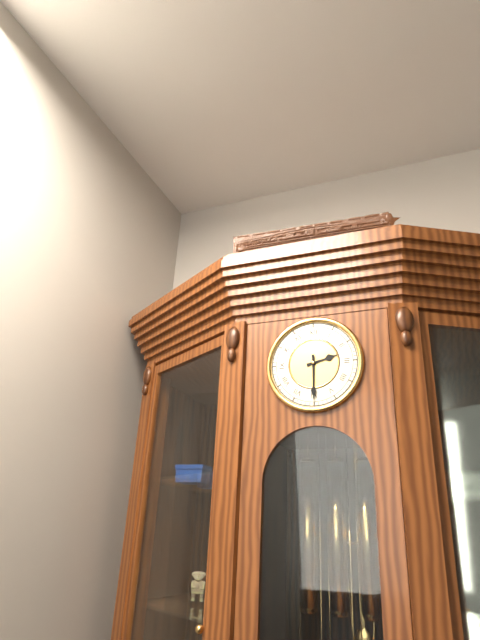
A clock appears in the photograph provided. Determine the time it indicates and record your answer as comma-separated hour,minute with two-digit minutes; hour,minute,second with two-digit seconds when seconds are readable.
2,30
